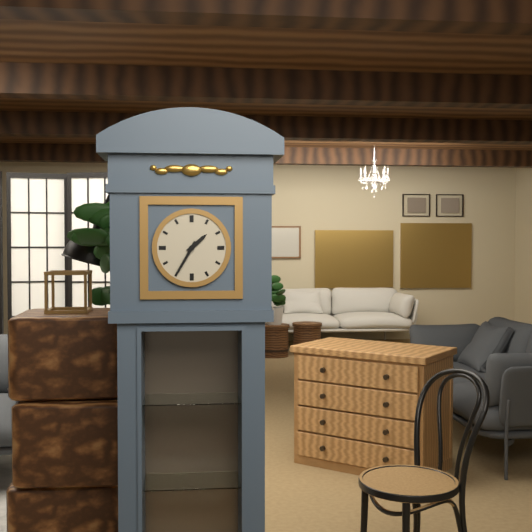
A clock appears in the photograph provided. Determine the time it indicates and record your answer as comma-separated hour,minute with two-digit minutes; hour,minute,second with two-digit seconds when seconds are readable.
1,35
